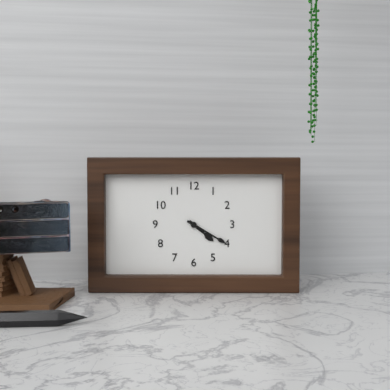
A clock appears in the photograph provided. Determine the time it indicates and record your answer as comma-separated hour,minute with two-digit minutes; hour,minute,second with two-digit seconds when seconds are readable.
4,20
